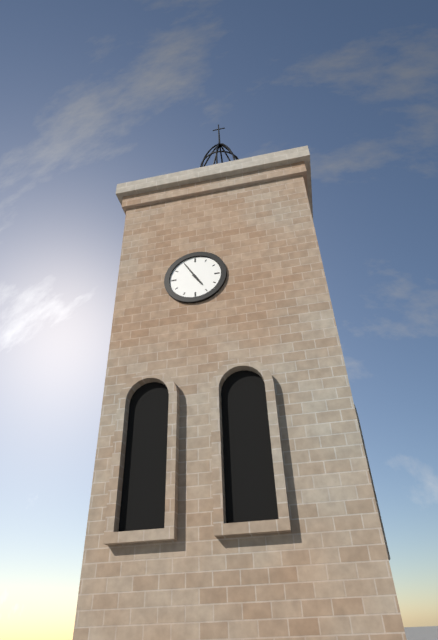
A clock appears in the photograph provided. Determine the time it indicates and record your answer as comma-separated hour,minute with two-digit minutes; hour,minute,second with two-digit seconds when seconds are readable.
4,55
